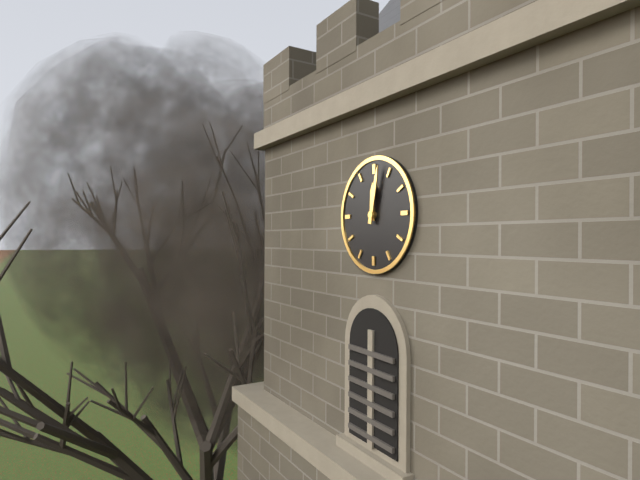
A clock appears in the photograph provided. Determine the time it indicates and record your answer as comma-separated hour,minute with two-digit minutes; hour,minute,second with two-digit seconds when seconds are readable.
12,02
